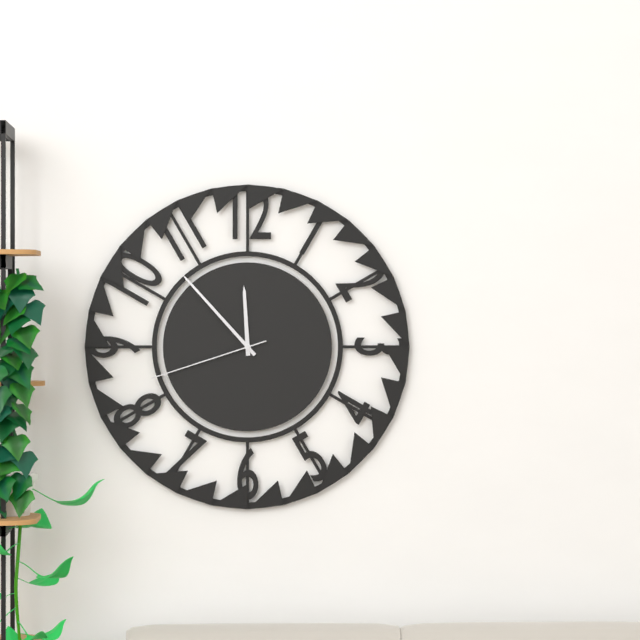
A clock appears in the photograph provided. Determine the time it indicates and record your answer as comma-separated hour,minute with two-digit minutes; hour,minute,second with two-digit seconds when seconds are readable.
11,53,42
